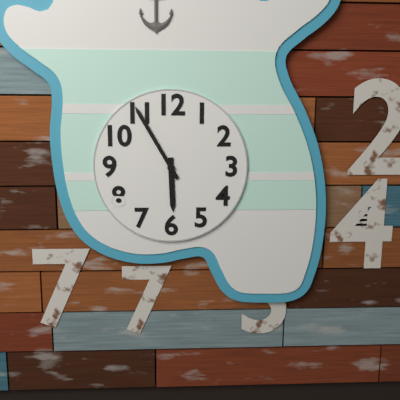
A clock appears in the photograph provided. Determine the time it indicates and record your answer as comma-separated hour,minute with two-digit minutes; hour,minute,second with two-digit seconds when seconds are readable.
5,55
